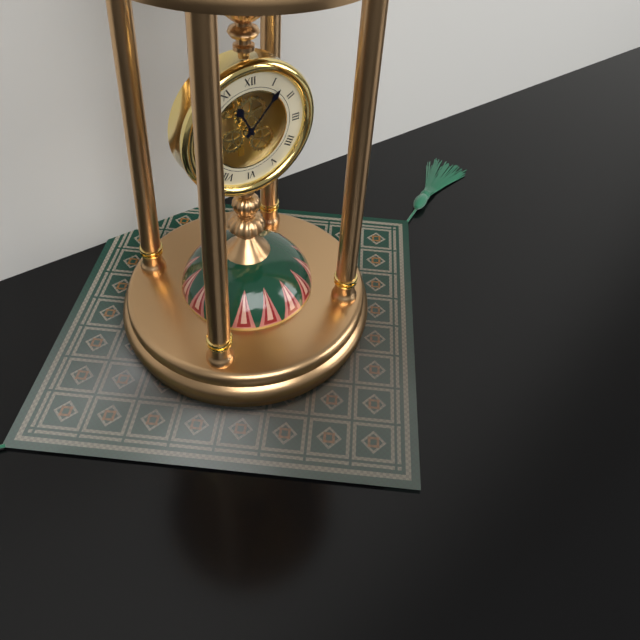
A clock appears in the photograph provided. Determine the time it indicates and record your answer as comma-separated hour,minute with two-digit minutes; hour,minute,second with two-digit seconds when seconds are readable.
11,07
